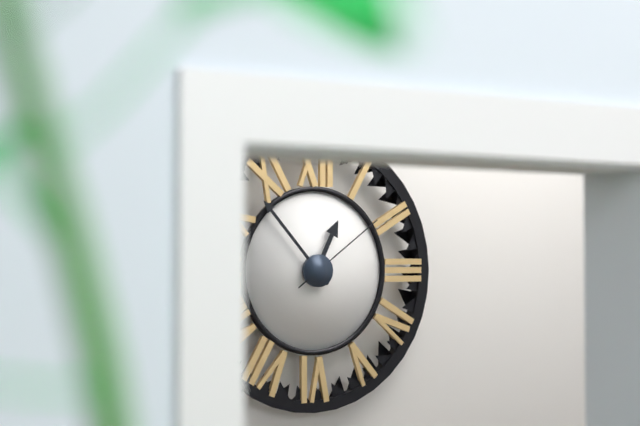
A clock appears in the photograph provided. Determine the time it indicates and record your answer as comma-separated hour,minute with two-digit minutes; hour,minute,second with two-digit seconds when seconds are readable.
12,53,09
